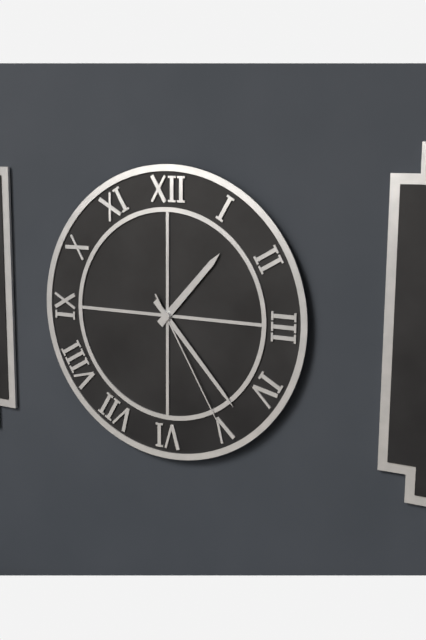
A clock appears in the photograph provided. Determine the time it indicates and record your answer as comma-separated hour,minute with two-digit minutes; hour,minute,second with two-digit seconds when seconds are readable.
1,23,25
